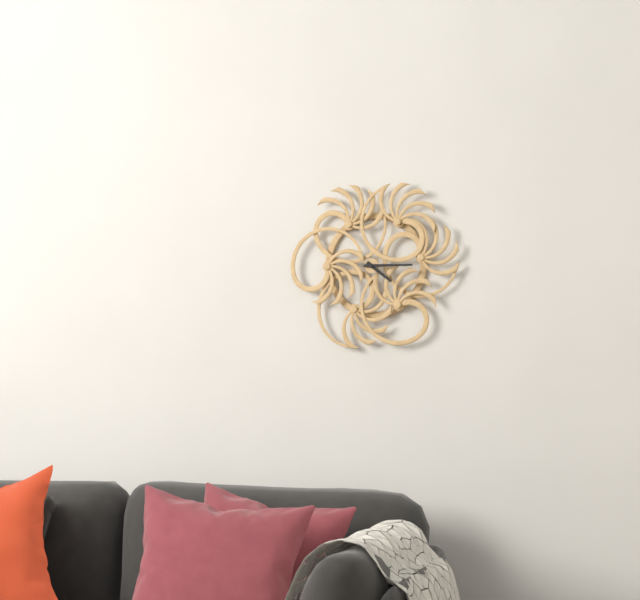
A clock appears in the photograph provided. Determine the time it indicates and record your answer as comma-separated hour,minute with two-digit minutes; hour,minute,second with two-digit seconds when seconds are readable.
4,15
